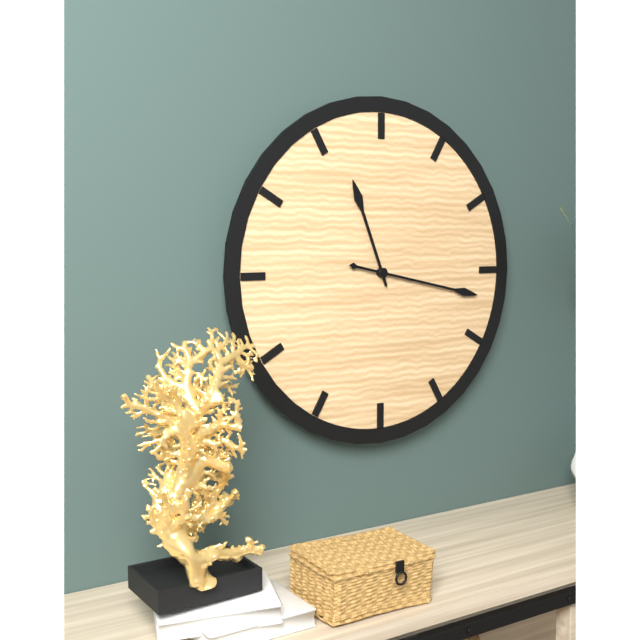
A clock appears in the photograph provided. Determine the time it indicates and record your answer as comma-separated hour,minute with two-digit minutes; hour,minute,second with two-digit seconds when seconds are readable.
11,17
